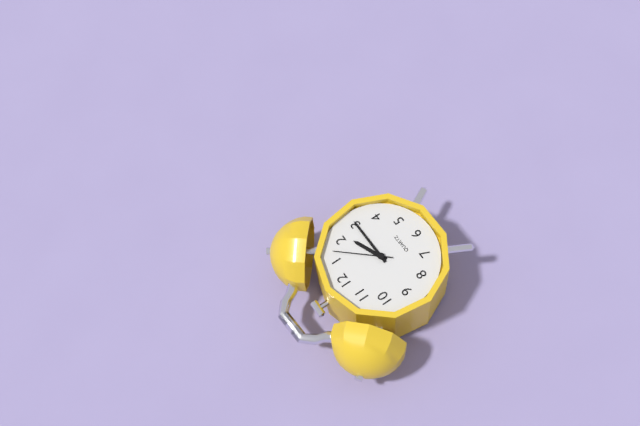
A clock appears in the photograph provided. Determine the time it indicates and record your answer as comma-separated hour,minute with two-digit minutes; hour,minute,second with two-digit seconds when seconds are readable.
2,15,07
